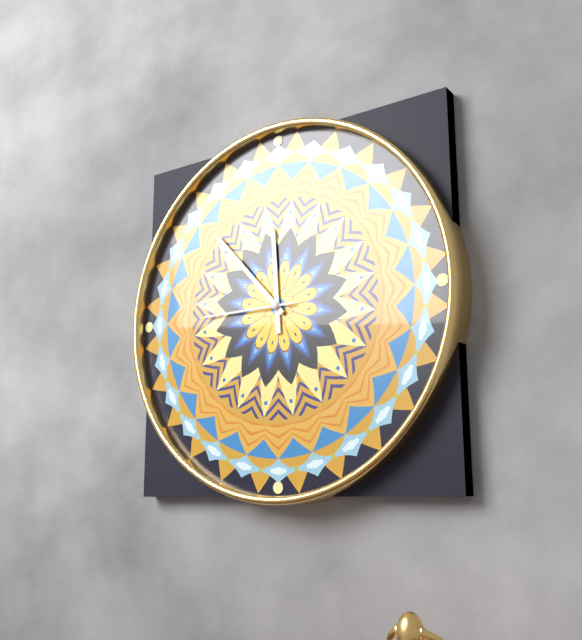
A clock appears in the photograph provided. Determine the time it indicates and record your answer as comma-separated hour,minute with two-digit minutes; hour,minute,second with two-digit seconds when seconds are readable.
11,53,45
